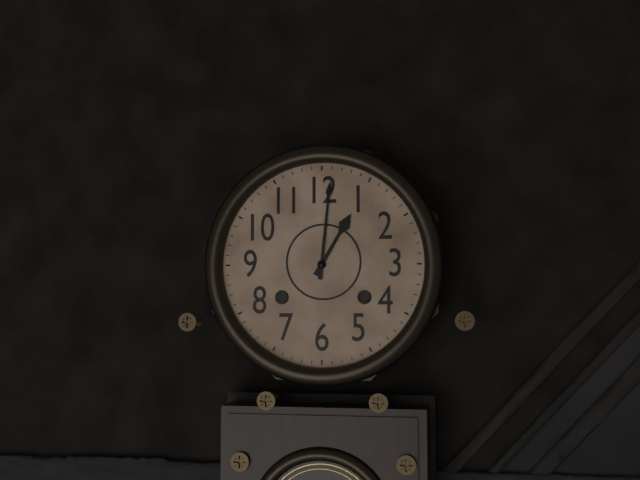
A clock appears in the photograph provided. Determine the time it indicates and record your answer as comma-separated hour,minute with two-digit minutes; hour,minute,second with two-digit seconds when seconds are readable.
1,01
